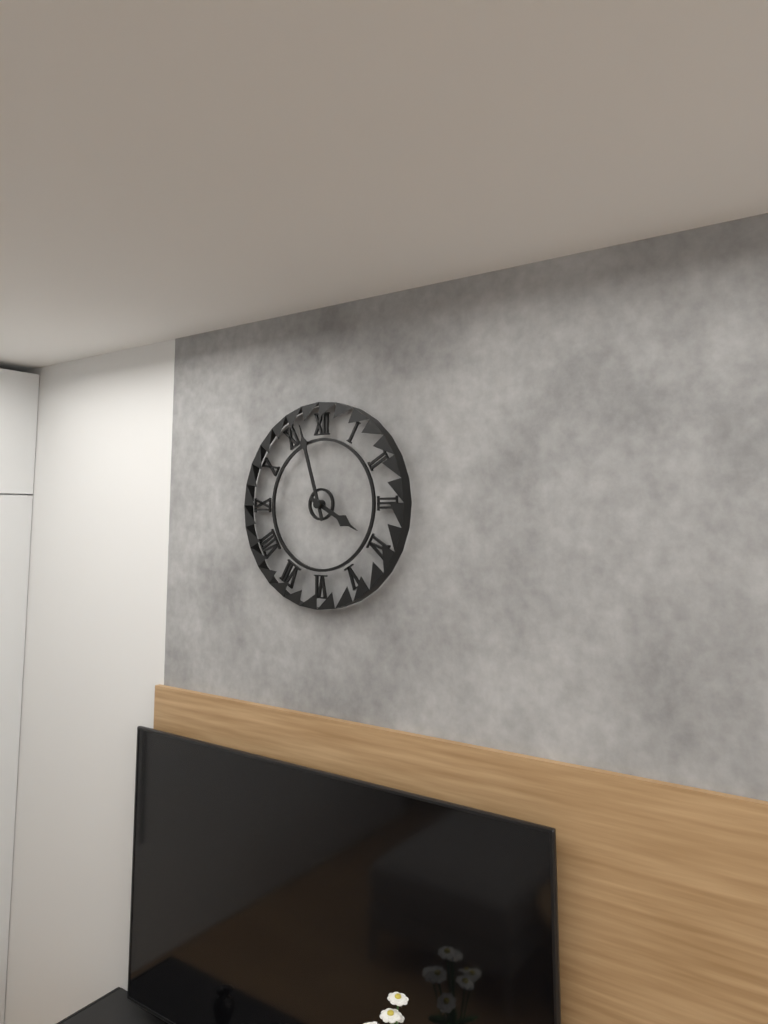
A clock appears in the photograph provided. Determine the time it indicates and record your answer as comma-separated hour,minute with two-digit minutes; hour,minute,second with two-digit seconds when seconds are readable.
3,57
